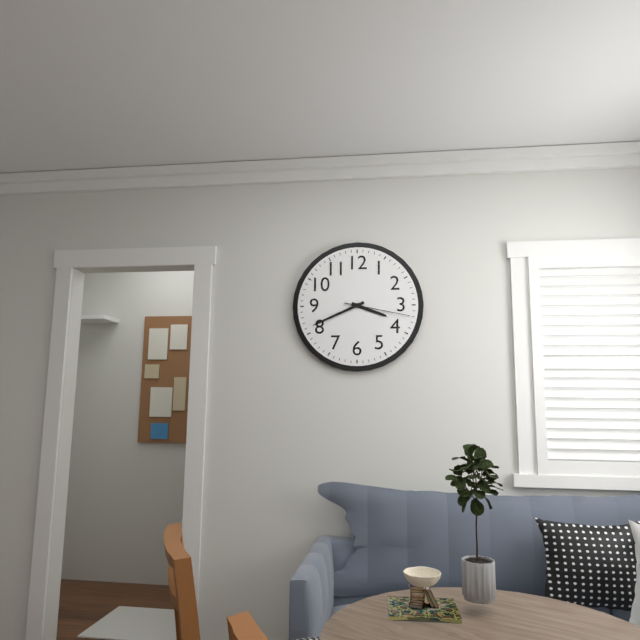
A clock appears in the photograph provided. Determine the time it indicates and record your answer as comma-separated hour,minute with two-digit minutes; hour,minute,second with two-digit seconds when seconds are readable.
3,41,17
